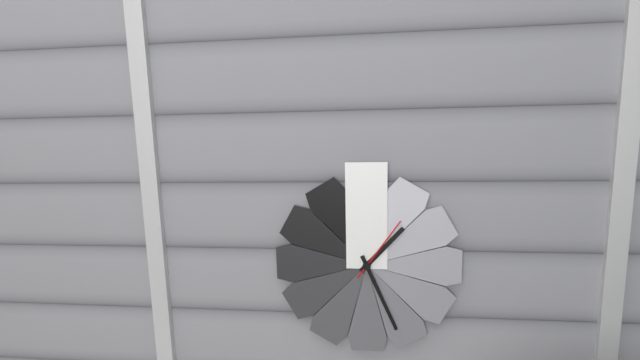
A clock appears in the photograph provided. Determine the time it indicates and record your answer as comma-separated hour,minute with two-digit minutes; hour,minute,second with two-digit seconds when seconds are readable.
1,26,06
